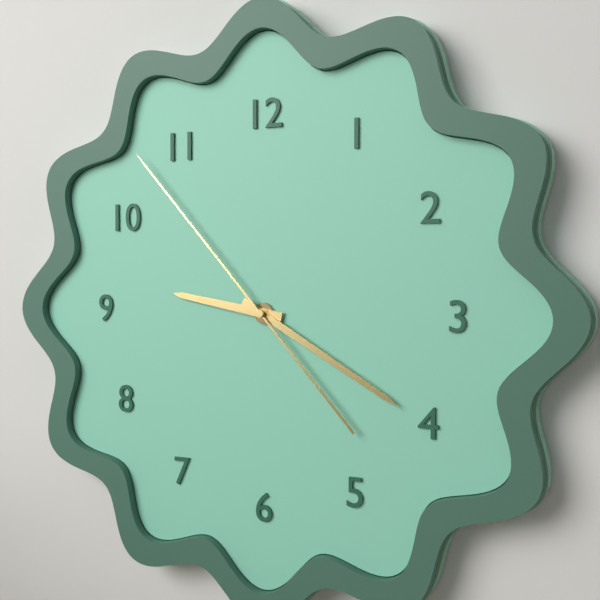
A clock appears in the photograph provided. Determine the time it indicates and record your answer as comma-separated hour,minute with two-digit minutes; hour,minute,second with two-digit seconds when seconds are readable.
9,20,53
